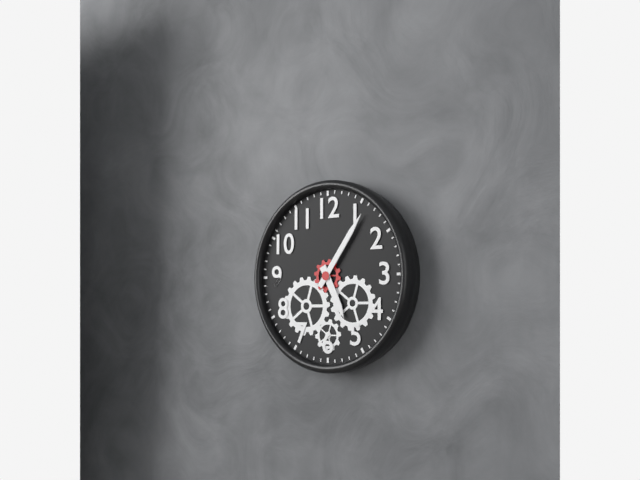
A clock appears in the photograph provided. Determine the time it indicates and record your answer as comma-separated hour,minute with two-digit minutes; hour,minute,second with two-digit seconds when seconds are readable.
5,06
